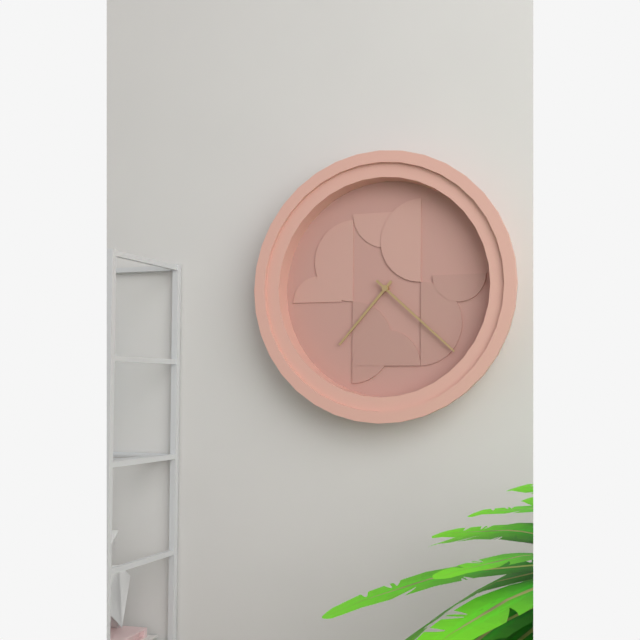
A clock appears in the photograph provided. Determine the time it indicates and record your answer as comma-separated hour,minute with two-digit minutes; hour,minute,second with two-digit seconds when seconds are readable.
7,22
